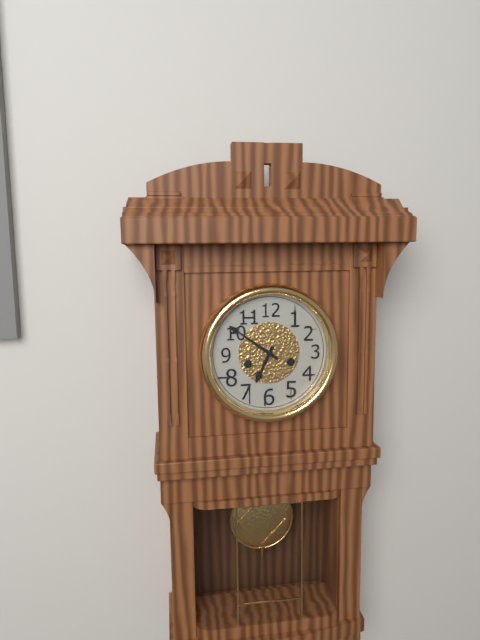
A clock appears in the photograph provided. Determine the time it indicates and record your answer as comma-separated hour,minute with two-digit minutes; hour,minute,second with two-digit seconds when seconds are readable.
6,51
